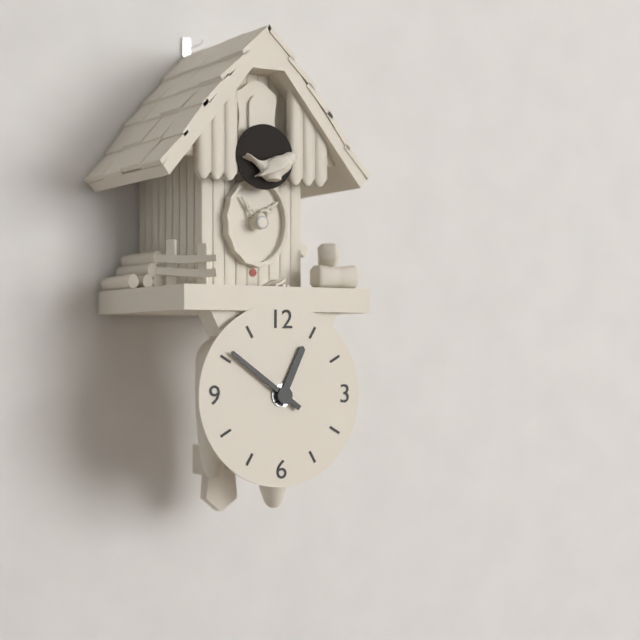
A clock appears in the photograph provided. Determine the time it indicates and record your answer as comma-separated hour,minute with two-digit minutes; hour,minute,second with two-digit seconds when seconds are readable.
12,51
